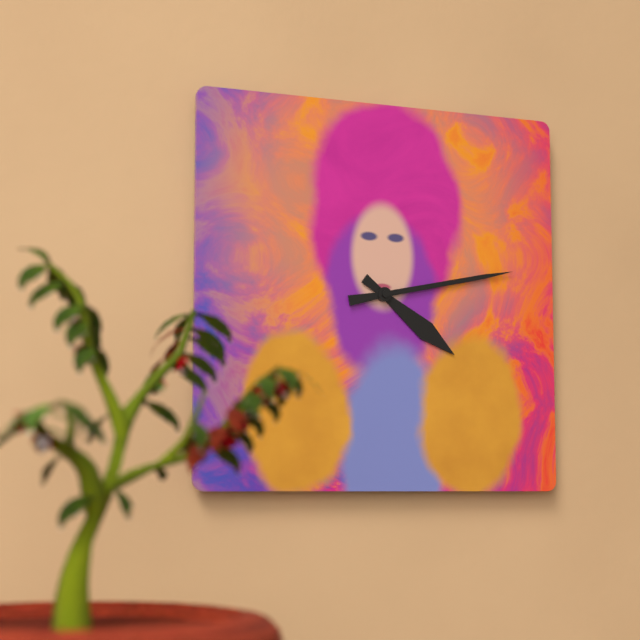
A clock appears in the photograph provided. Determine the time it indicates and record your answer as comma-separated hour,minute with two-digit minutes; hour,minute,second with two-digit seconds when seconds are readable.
4,13
